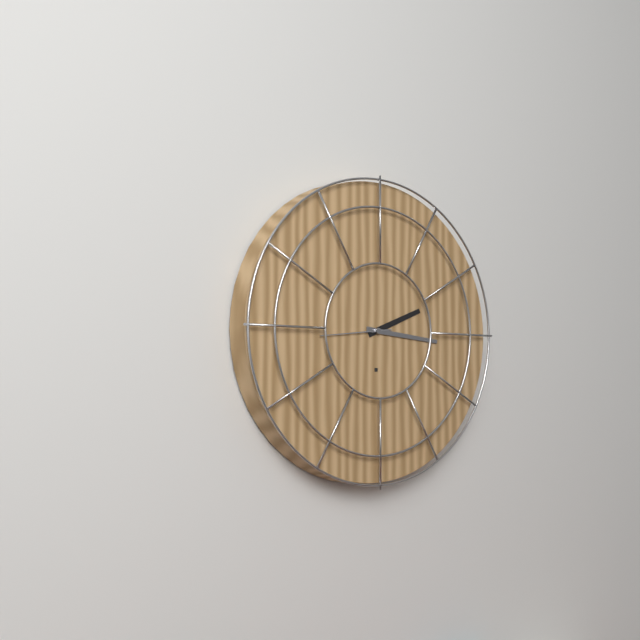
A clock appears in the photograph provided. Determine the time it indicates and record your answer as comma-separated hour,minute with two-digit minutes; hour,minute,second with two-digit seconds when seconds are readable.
2,16,44
